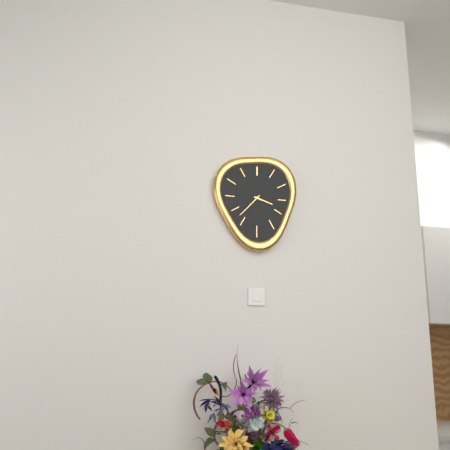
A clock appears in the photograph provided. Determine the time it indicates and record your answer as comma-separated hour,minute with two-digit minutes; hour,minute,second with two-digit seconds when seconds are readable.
3,37
